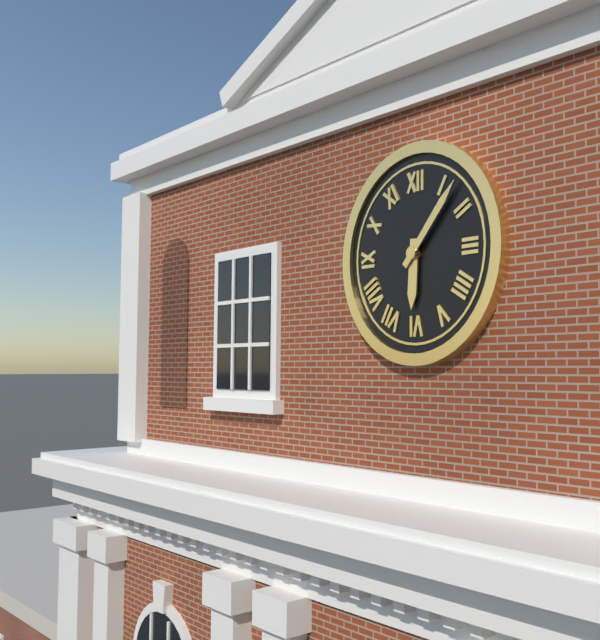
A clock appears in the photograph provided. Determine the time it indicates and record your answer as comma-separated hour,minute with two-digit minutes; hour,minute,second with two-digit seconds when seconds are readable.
6,07
